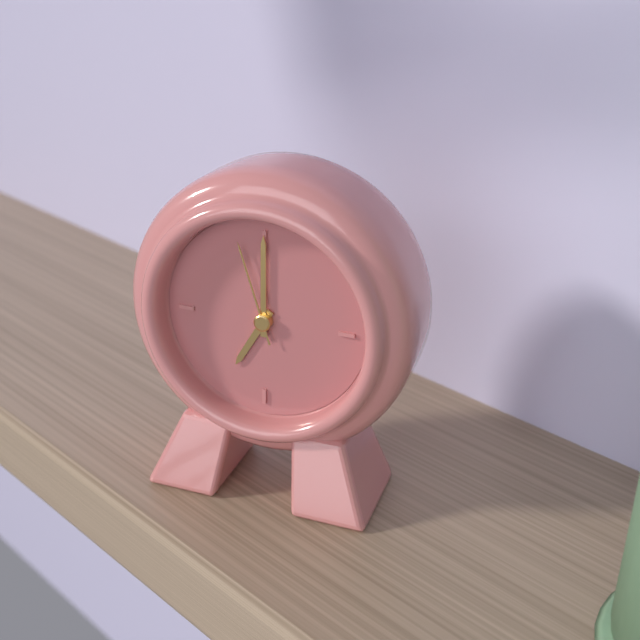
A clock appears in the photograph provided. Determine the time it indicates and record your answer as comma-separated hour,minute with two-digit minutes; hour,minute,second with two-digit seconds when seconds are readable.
7,00,57
